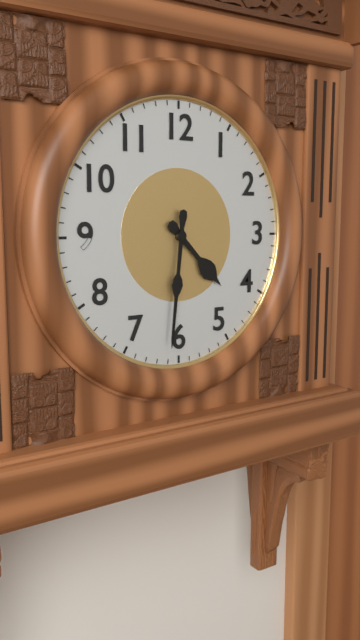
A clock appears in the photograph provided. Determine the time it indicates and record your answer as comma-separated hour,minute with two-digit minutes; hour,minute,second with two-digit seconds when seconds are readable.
4,31
